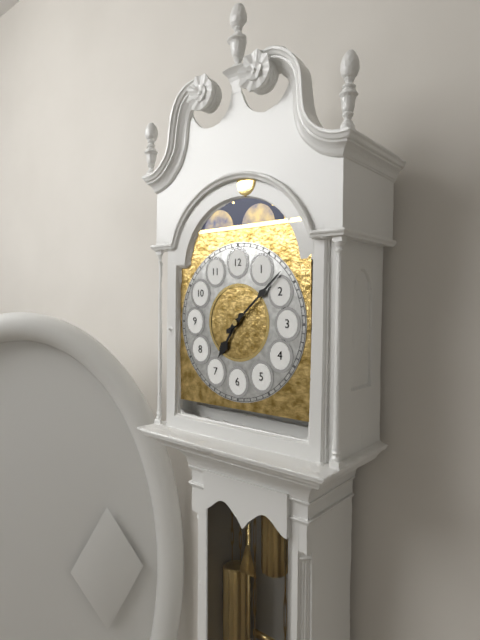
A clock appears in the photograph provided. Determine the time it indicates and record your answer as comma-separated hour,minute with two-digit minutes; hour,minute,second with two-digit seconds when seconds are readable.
7,08
